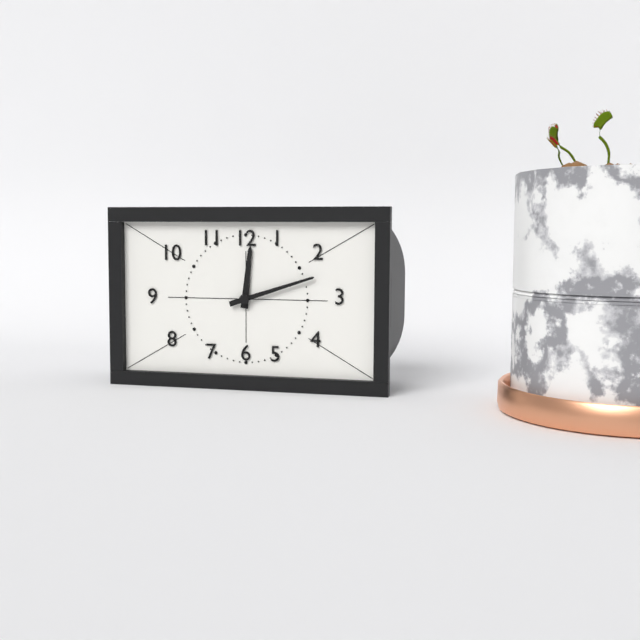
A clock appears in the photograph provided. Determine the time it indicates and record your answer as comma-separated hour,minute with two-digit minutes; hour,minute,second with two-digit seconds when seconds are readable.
12,12
